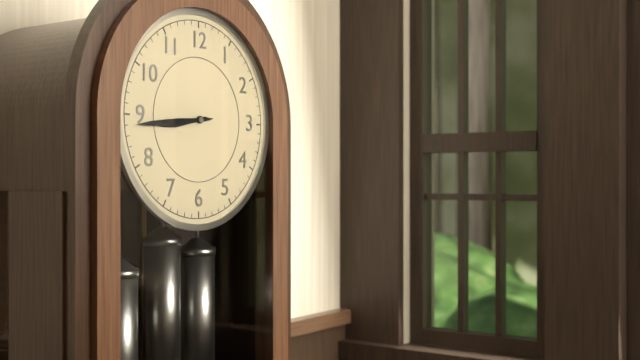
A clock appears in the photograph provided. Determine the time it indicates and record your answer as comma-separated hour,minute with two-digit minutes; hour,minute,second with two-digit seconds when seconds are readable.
8,44
